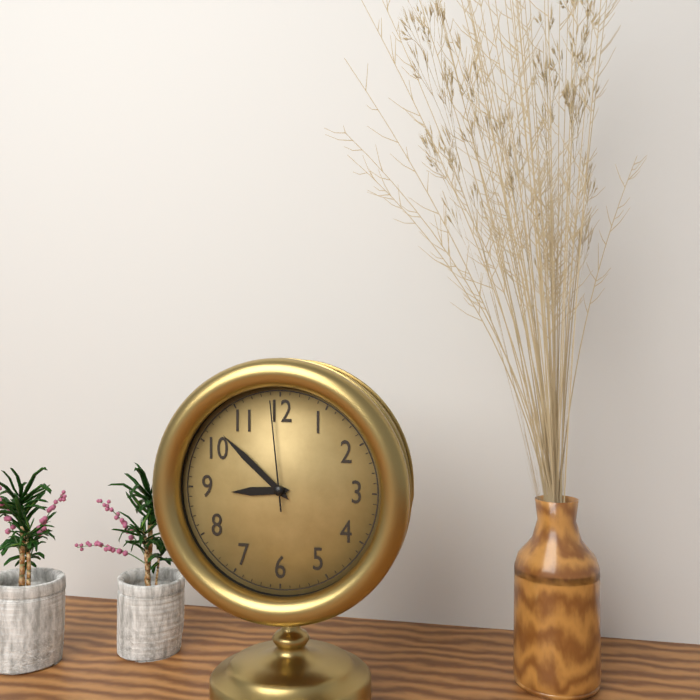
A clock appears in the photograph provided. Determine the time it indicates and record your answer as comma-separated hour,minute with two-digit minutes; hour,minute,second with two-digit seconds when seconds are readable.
8,52,59
